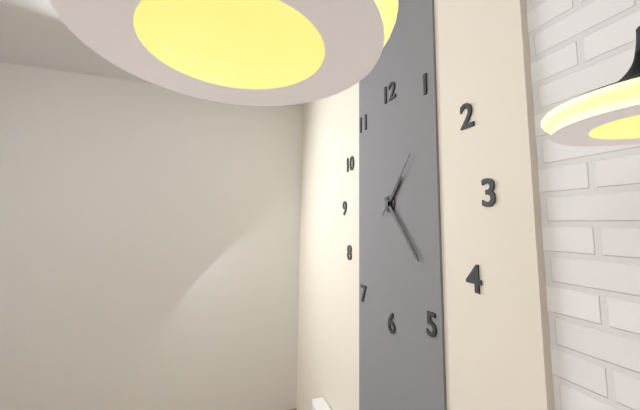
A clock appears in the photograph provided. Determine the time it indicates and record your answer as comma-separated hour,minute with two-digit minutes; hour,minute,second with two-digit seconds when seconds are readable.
1,23,07
